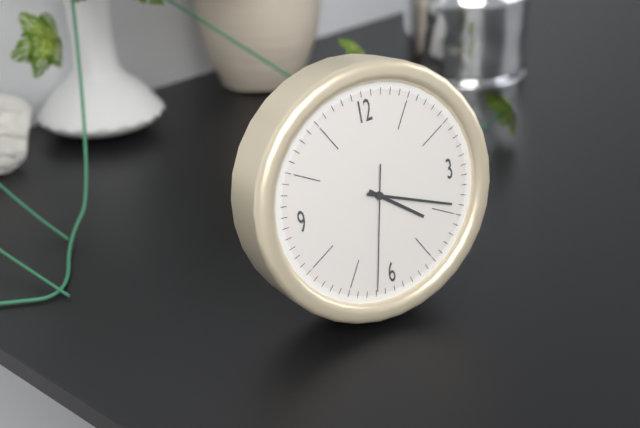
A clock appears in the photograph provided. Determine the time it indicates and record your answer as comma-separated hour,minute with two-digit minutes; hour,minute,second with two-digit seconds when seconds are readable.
4,19,32
